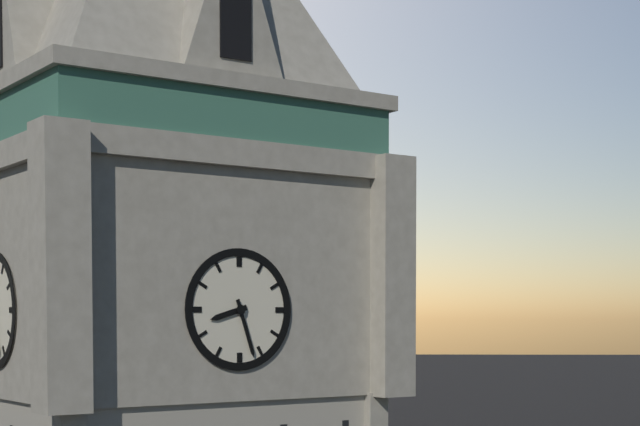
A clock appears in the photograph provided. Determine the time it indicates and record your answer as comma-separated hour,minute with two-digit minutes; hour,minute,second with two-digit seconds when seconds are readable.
8,27
